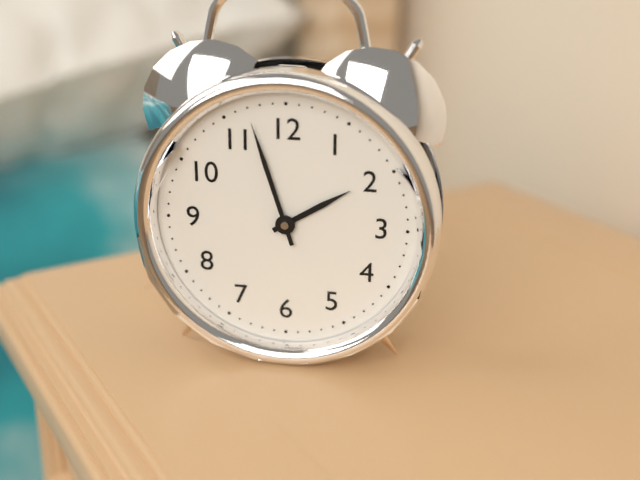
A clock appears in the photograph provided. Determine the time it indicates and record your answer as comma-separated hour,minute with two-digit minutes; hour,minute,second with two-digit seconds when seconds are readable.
1,57
